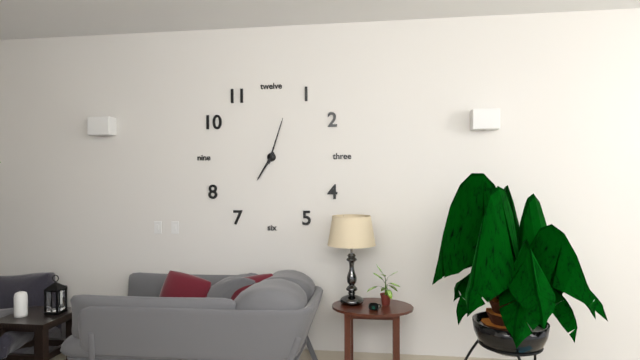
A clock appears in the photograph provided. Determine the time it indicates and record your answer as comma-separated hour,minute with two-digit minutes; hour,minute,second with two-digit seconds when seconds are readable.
7,03
